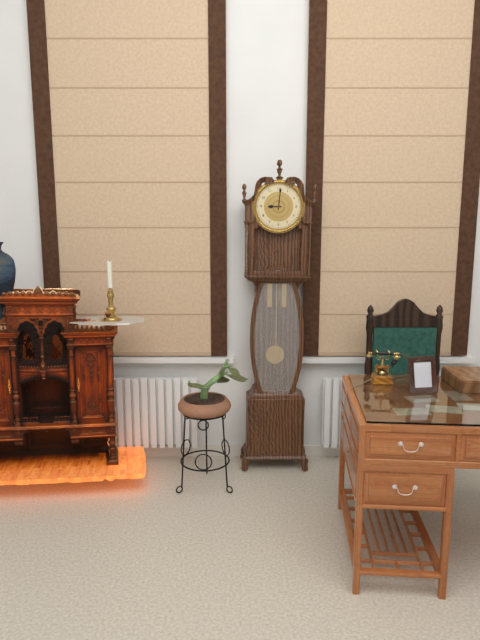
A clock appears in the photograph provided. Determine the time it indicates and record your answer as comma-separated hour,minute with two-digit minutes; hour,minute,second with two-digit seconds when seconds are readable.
9,01
